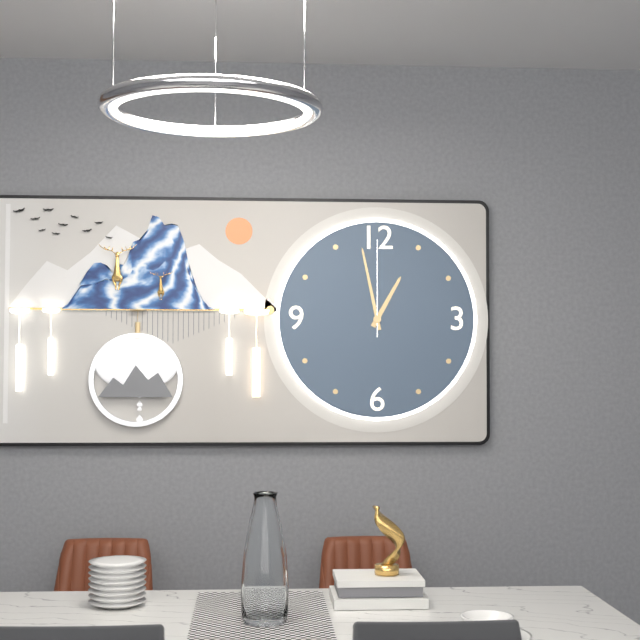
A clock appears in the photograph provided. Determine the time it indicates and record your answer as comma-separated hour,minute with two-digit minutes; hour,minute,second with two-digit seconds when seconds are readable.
12,58,00
